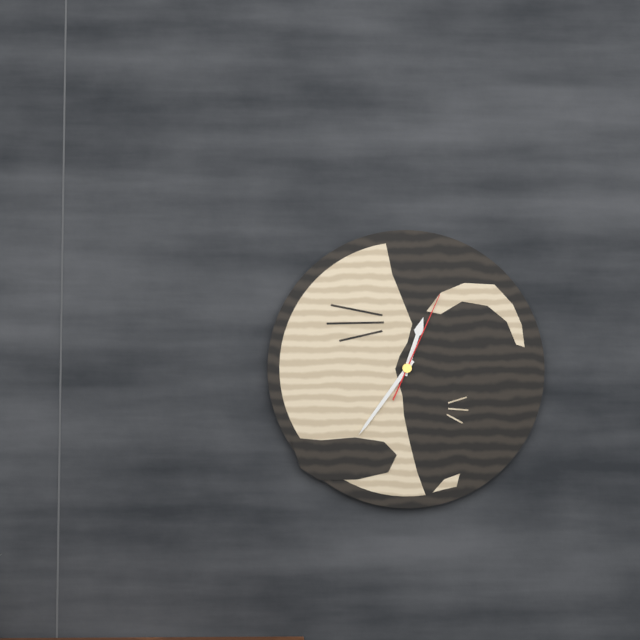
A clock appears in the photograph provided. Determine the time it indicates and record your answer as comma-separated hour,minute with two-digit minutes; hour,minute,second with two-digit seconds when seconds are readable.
12,36,04
